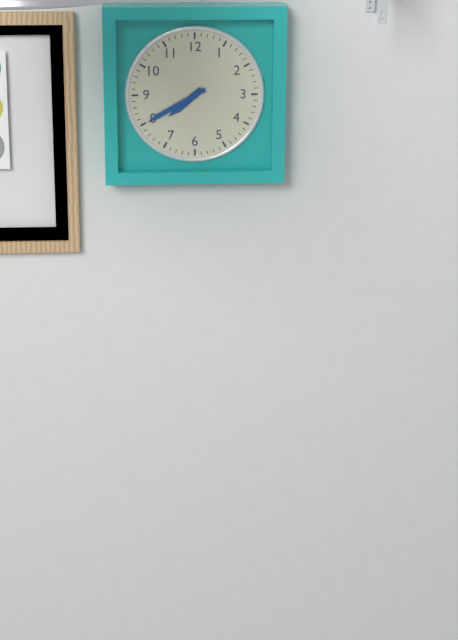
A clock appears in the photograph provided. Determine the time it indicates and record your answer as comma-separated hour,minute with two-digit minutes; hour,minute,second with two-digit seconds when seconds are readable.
7,40
